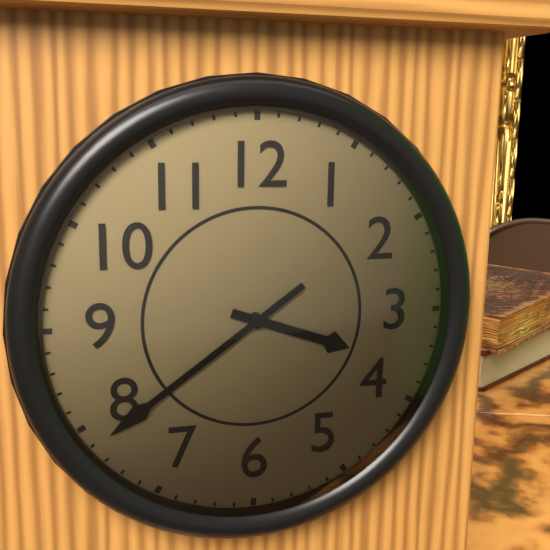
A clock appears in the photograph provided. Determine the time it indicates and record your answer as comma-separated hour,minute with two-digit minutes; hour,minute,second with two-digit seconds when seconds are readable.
3,39
